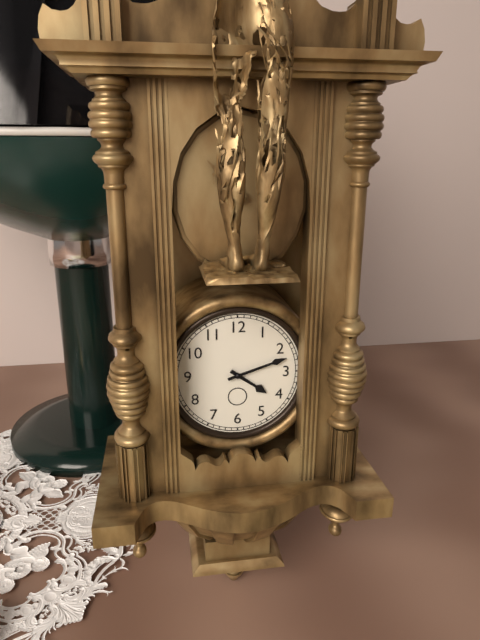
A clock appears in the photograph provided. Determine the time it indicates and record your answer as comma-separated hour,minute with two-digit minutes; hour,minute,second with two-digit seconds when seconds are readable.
4,12
